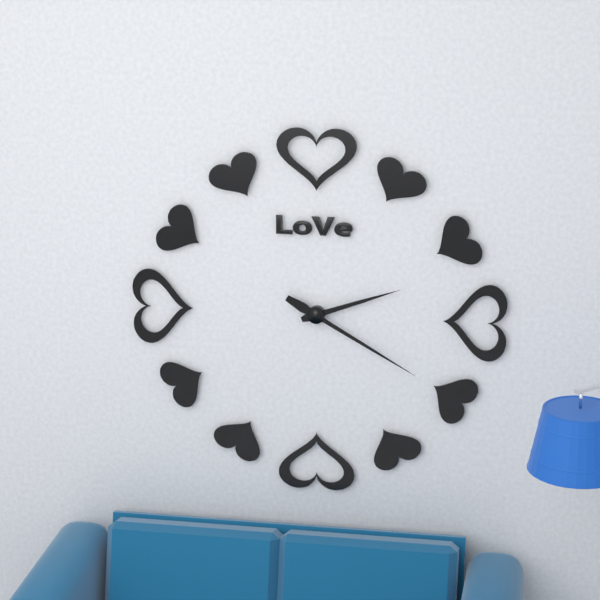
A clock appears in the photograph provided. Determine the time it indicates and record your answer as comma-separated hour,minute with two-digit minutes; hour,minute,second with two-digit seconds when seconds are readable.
2,20
